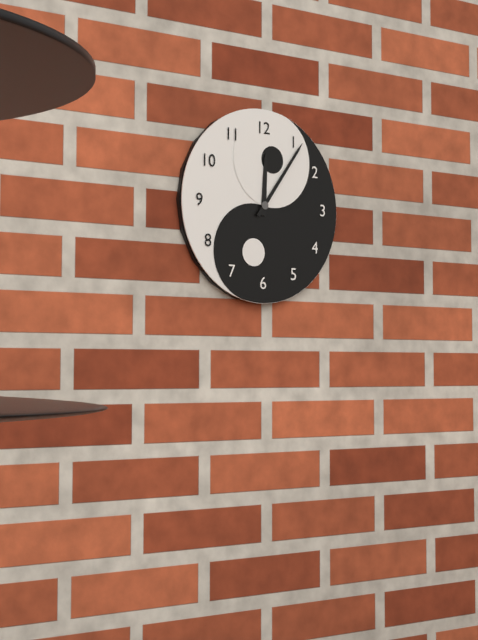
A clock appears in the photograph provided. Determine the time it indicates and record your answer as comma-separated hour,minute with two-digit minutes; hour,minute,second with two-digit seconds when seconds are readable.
12,06
